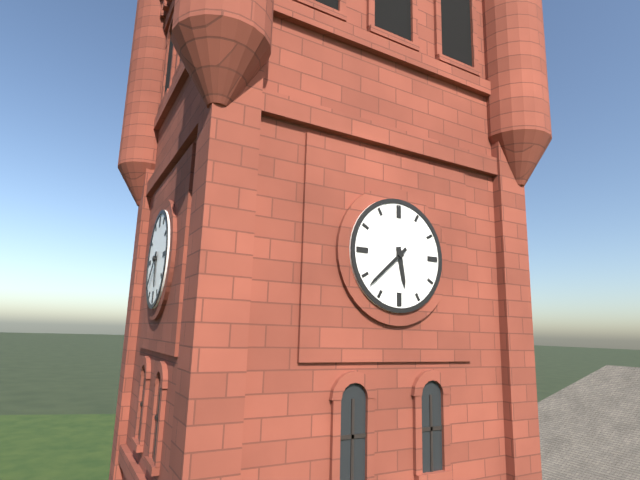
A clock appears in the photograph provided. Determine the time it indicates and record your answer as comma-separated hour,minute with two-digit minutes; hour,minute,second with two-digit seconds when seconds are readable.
5,38
